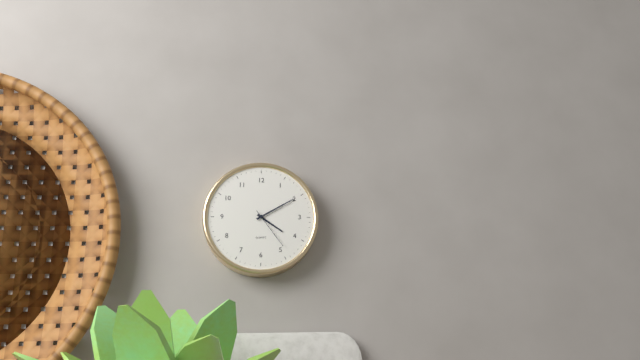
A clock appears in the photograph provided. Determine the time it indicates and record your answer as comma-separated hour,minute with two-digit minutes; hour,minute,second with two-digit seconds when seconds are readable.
4,10
